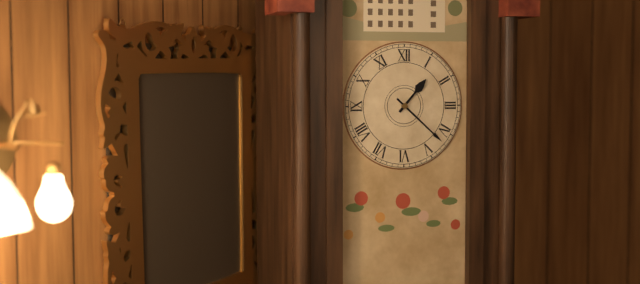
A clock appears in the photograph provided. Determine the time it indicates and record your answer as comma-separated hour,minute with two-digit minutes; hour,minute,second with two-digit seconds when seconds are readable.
1,22
